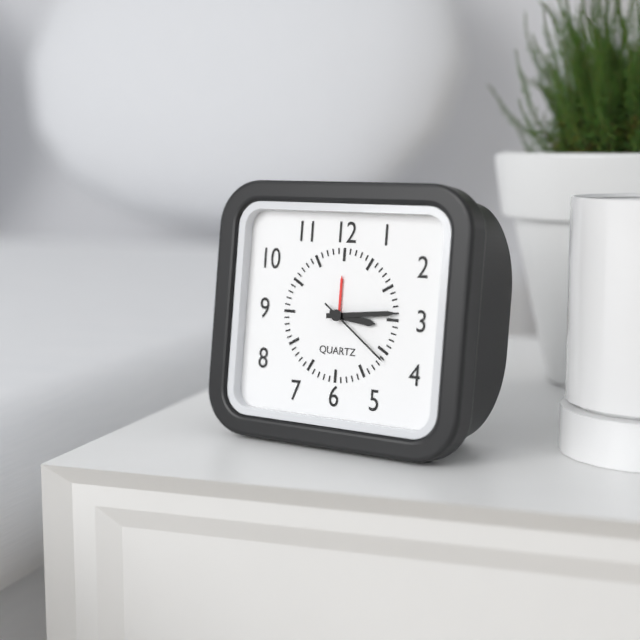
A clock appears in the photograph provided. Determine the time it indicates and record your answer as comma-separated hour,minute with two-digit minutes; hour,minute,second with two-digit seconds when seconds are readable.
3,14,21
